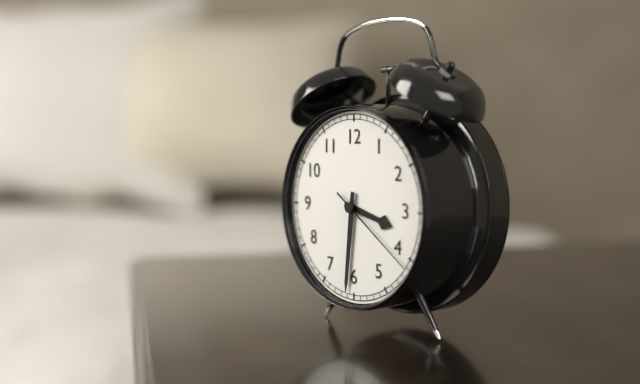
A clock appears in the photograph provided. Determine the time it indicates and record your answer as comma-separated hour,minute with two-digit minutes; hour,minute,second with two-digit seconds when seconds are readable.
3,31,21
